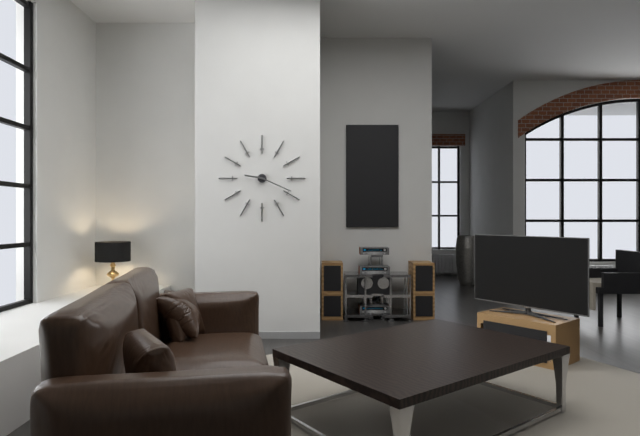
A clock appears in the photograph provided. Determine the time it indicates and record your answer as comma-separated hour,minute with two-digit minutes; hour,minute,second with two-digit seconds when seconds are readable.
9,19
